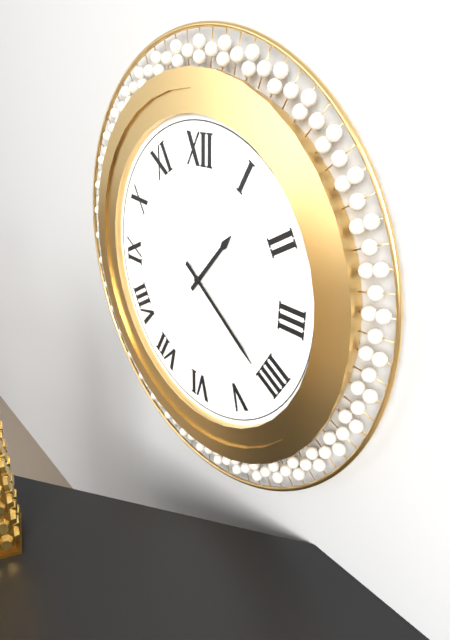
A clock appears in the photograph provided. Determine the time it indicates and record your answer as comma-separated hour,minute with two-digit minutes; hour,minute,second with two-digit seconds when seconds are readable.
1,21
